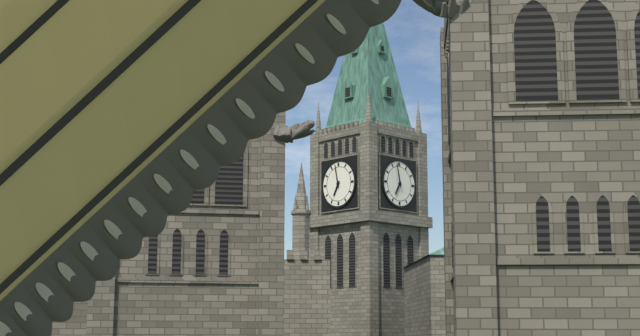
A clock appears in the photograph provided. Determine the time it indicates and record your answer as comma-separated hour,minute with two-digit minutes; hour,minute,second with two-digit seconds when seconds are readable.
6,58
